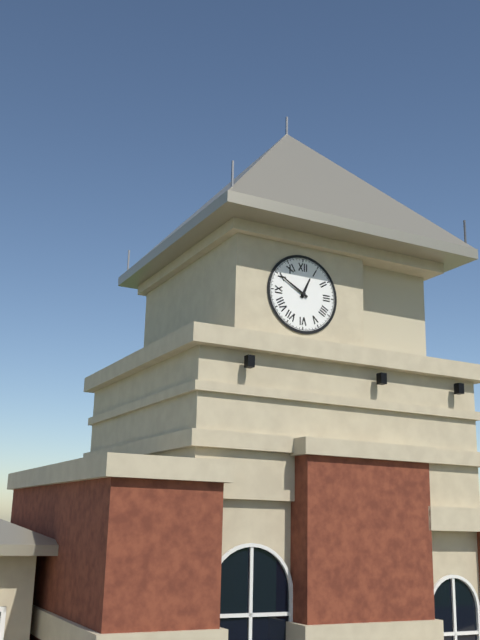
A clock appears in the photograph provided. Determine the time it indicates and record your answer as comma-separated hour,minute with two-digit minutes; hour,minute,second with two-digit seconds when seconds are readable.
12,50
